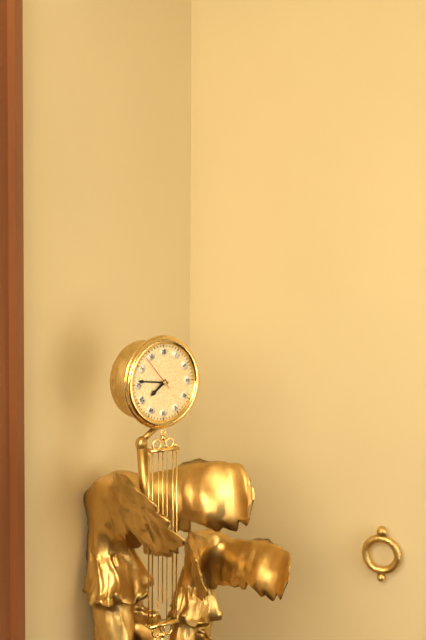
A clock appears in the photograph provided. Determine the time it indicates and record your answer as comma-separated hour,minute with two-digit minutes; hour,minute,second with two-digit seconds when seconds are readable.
7,46
